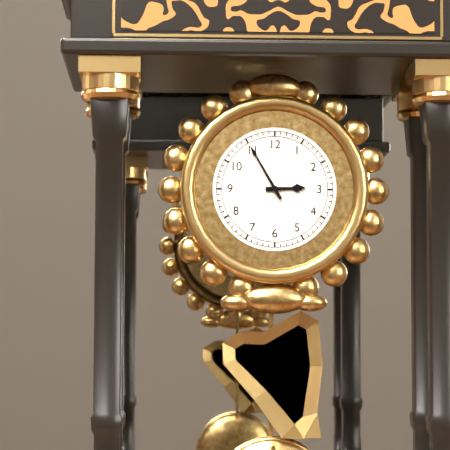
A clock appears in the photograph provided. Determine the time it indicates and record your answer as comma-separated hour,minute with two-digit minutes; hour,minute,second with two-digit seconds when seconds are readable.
2,55
